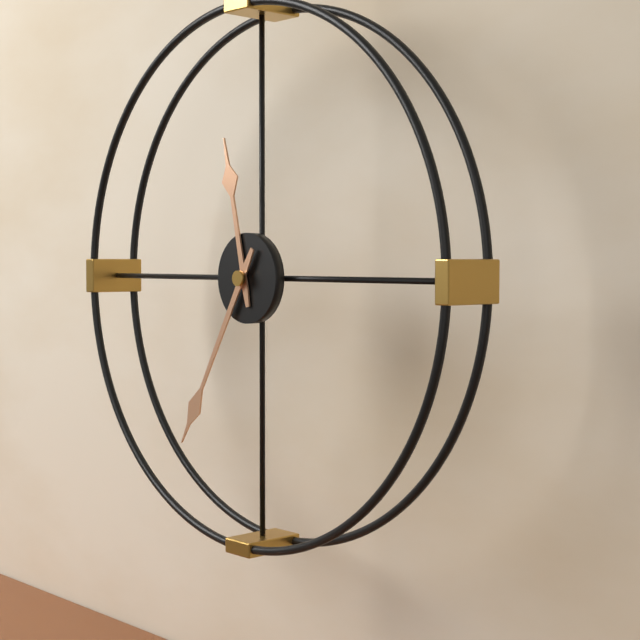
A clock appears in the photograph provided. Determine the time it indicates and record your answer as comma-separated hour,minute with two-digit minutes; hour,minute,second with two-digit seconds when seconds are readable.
11,35
